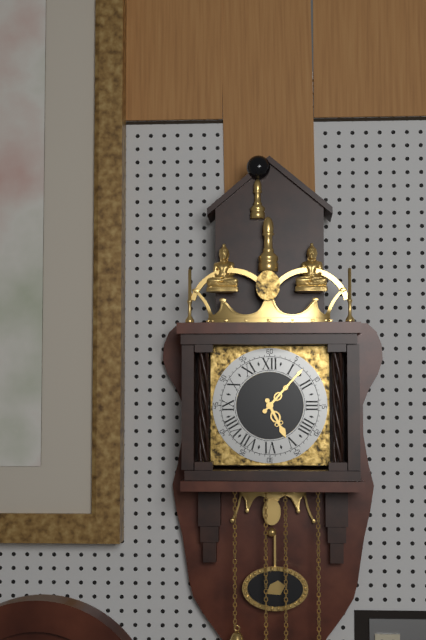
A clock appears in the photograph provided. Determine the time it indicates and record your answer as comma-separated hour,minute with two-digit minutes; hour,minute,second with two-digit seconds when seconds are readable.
5,07
